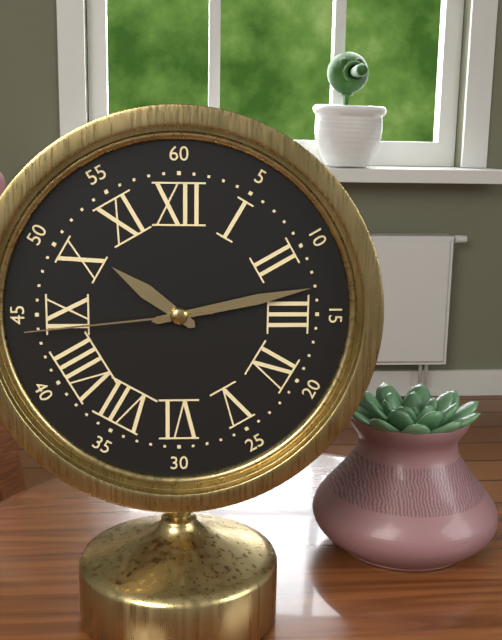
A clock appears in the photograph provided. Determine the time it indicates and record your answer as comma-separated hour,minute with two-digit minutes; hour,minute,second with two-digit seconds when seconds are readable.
10,13,44
